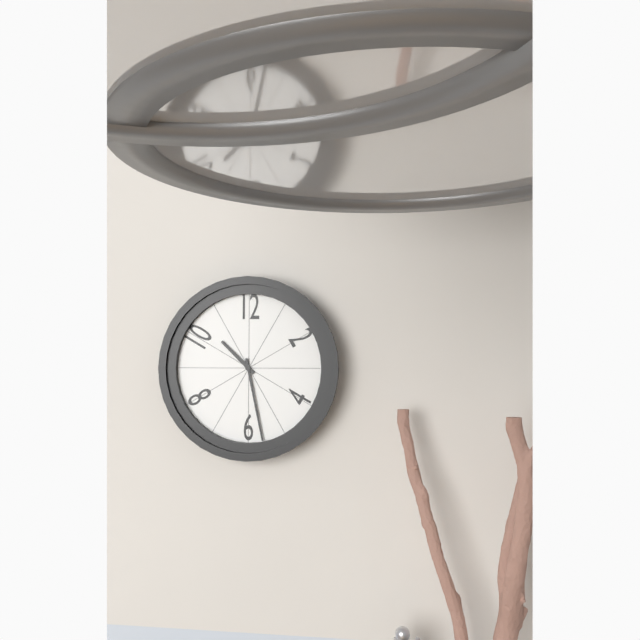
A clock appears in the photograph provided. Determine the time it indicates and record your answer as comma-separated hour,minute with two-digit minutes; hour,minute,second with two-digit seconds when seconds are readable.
10,28
